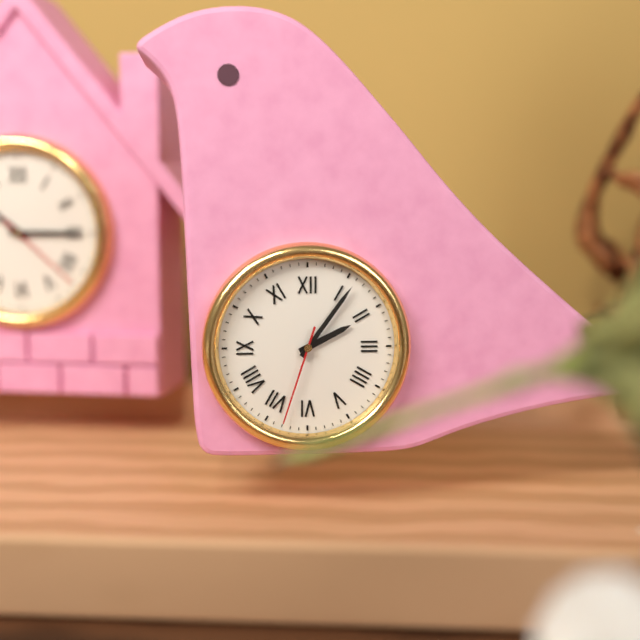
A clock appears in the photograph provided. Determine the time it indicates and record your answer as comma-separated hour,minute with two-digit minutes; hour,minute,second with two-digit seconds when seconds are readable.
2,06,33
